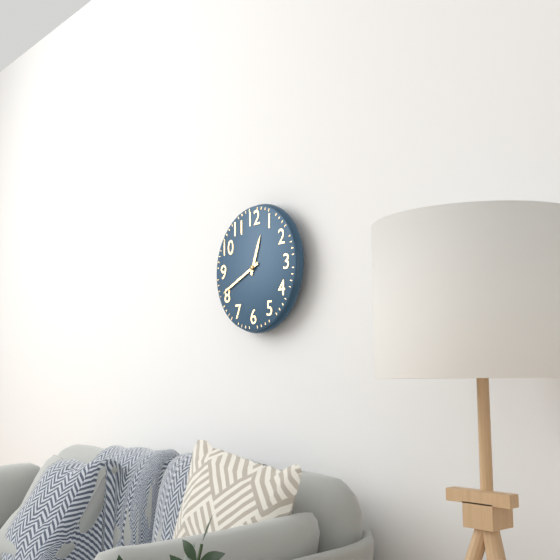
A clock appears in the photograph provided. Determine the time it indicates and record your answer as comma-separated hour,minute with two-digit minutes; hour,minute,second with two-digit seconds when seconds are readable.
12,41
